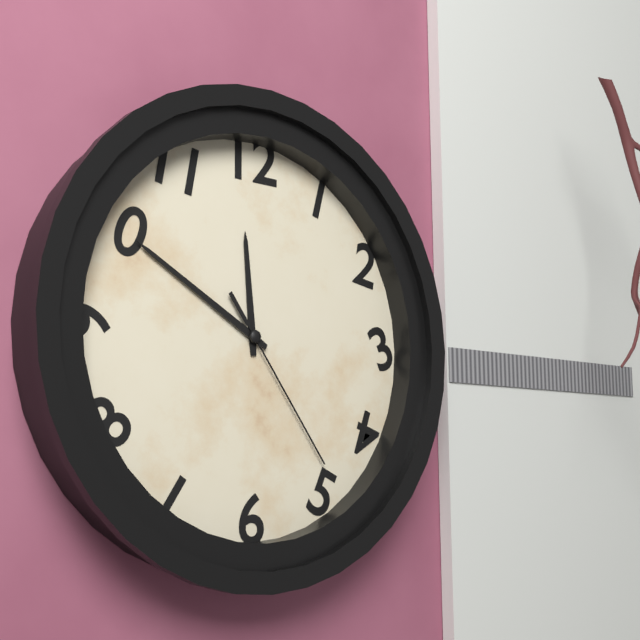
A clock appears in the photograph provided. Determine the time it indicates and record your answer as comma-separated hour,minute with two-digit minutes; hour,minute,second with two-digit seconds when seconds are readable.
11,50,24
